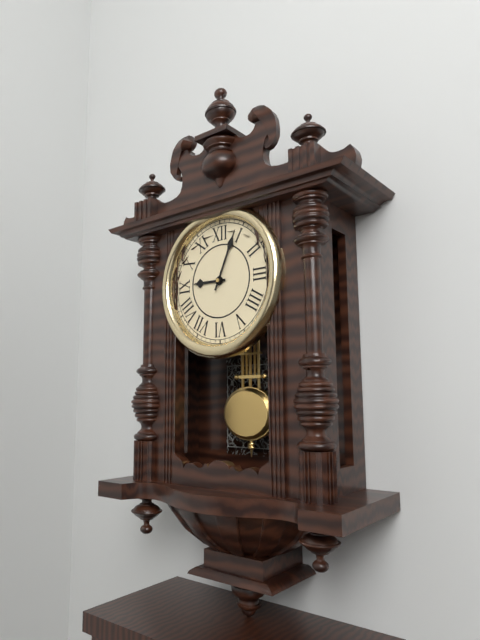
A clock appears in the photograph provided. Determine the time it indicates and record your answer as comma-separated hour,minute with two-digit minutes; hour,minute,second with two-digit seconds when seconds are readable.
9,04
